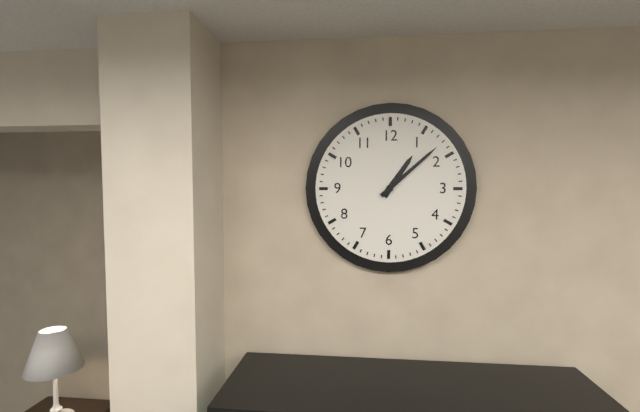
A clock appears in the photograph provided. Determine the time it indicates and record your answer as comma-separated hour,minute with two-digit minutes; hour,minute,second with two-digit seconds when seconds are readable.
1,08
